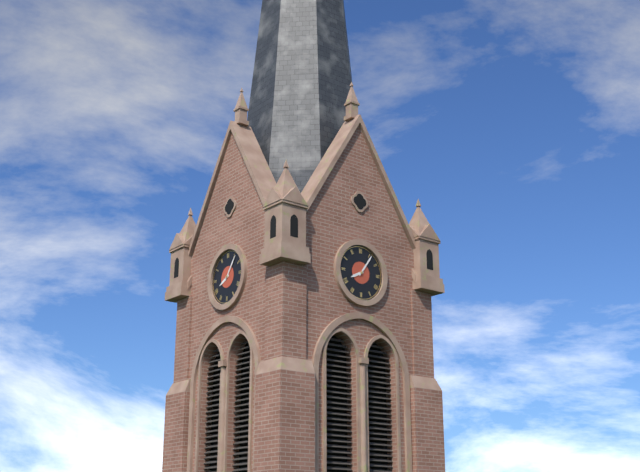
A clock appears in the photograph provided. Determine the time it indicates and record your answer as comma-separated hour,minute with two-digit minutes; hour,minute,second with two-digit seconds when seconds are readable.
8,06
